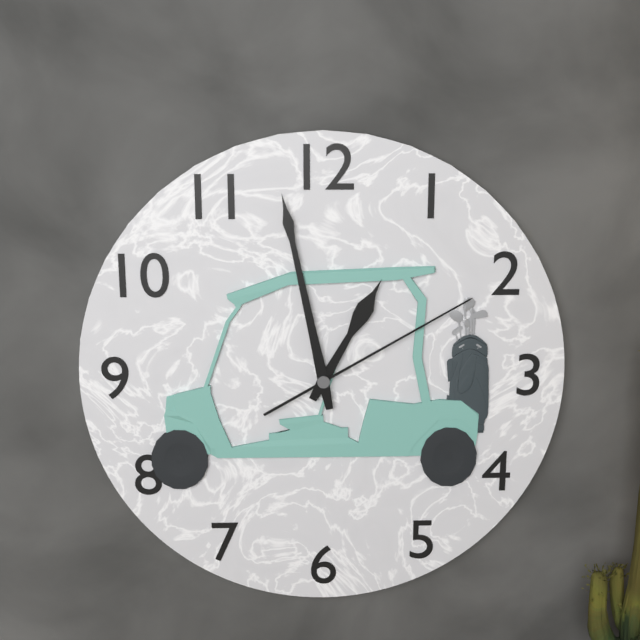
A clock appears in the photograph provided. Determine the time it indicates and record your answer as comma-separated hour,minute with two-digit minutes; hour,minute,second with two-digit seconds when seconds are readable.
12,58,10
